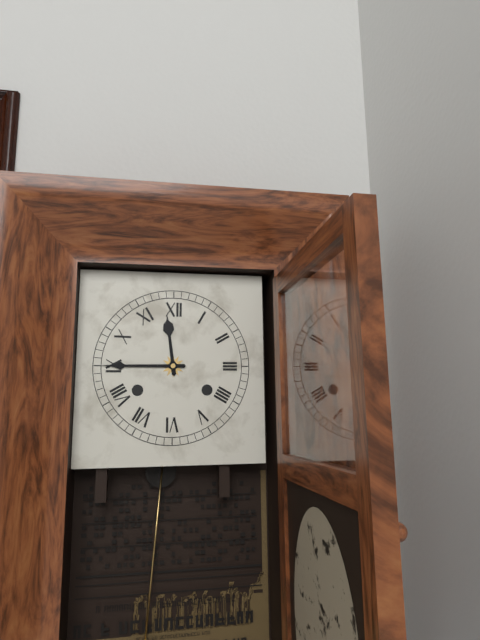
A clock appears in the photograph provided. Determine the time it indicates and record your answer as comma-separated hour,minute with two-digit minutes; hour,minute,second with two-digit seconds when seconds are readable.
11,45
